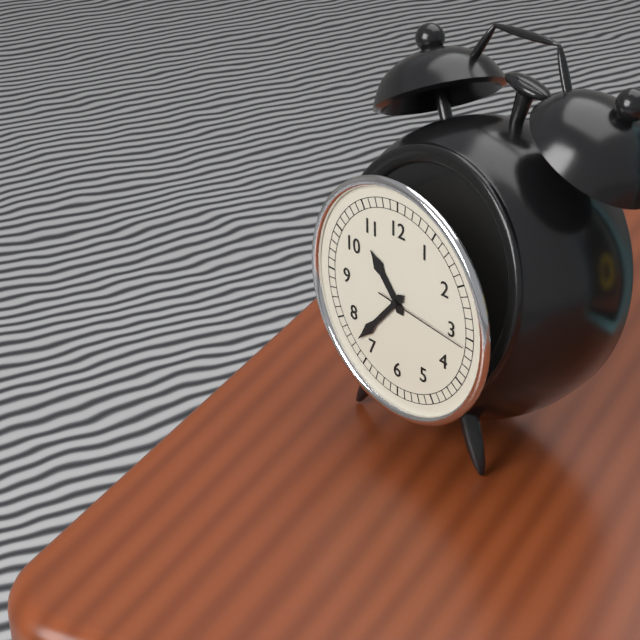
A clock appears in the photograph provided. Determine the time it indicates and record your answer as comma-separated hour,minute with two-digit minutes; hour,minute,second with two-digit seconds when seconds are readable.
10,37,16
